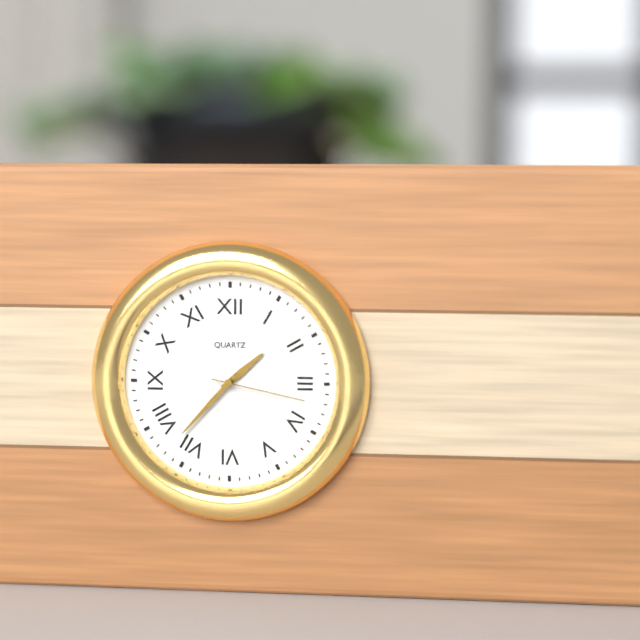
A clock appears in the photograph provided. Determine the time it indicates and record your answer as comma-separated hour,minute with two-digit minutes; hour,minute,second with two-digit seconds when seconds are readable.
1,37,17
